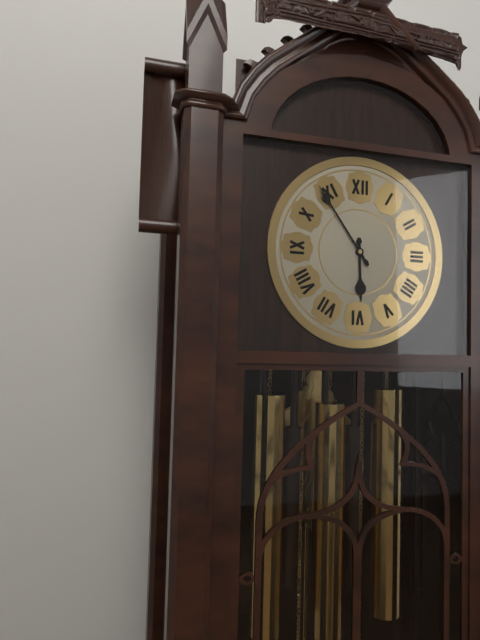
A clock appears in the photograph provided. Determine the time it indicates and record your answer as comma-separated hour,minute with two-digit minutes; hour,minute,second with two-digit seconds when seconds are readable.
5,54
